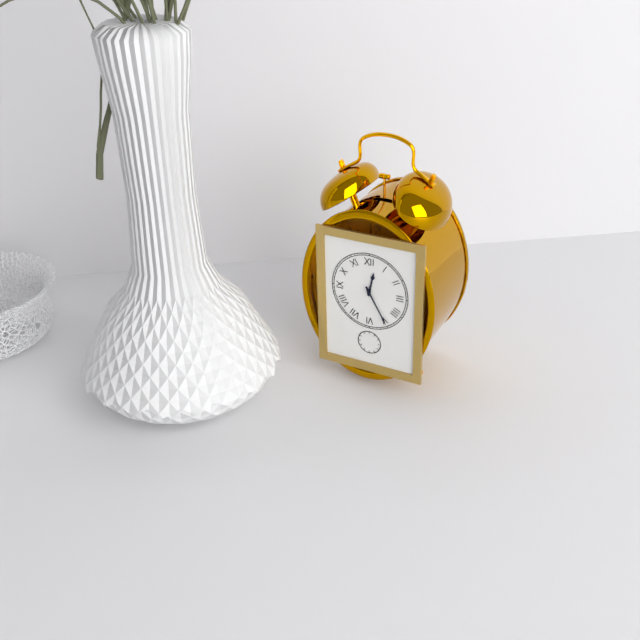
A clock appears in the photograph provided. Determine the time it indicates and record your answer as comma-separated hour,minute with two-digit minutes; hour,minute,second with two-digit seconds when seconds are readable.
12,25
